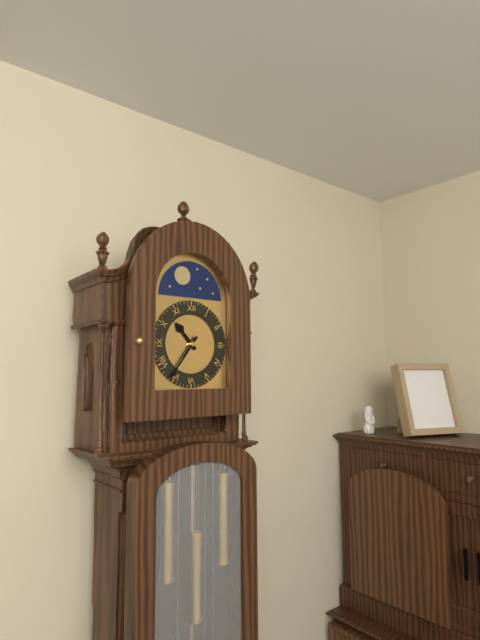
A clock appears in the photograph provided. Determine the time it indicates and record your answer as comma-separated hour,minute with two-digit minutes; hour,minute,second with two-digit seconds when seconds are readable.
10,36
